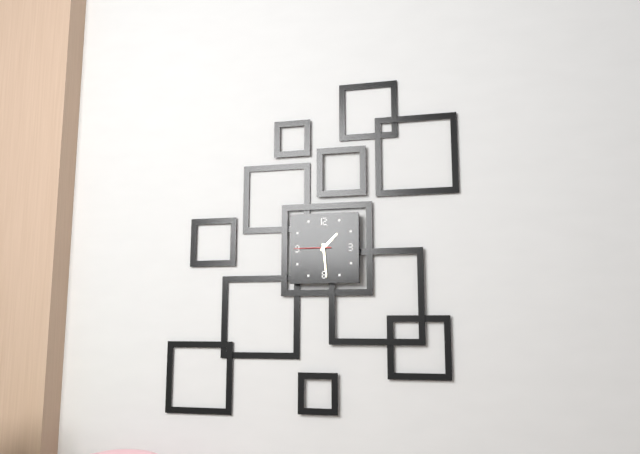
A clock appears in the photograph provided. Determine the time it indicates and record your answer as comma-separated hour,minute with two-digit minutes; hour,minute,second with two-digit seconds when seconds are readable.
1,29
